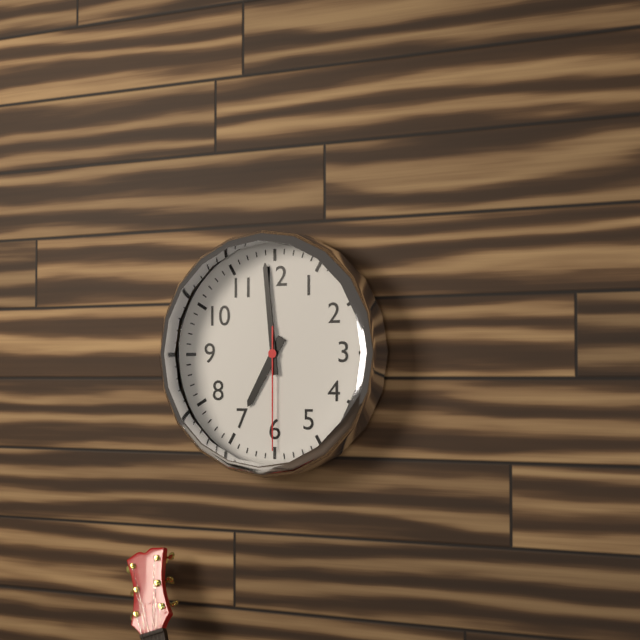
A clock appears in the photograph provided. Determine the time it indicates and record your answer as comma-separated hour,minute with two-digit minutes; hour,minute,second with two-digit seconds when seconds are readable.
6,59,30
